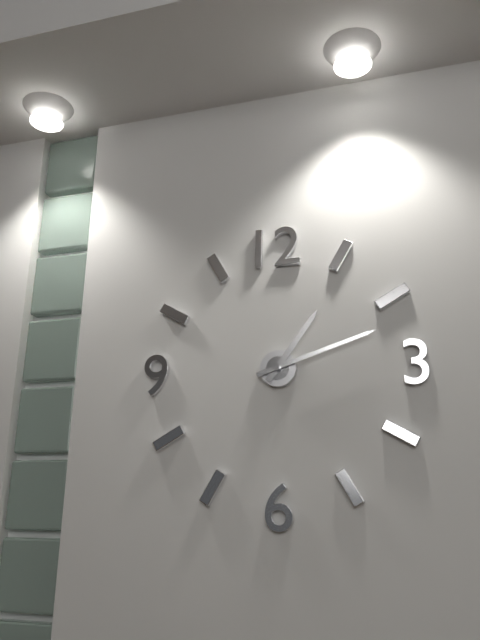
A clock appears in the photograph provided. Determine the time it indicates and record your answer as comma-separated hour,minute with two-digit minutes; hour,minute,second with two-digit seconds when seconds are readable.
1,12
